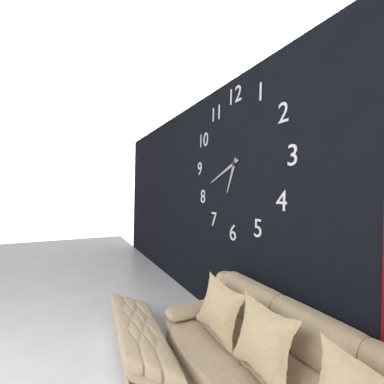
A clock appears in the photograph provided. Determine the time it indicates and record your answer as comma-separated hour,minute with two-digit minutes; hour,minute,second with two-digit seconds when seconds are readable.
6,41
